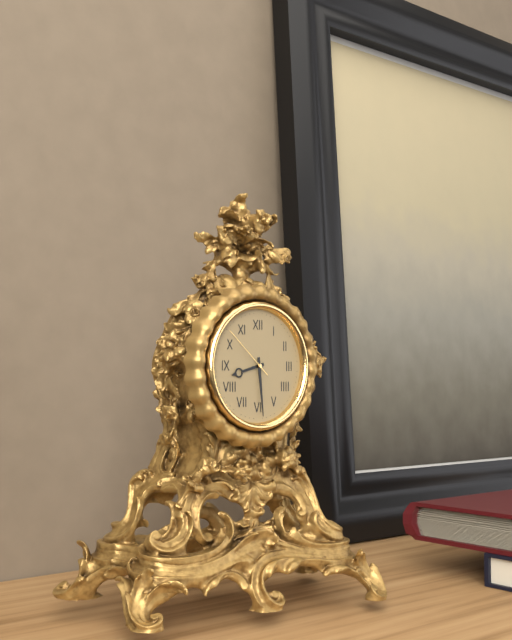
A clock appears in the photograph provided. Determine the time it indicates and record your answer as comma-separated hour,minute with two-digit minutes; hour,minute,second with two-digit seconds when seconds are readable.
8,29,52
